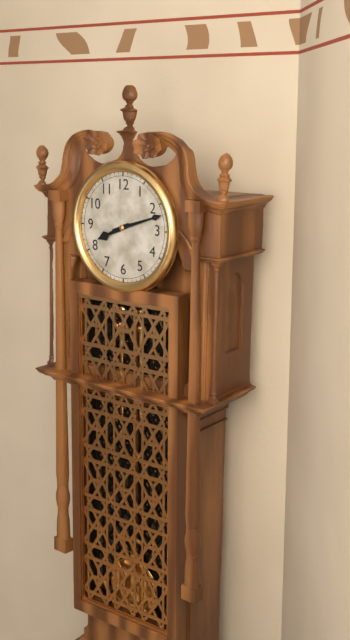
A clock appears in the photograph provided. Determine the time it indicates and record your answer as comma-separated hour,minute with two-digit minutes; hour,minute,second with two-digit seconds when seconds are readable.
8,12
